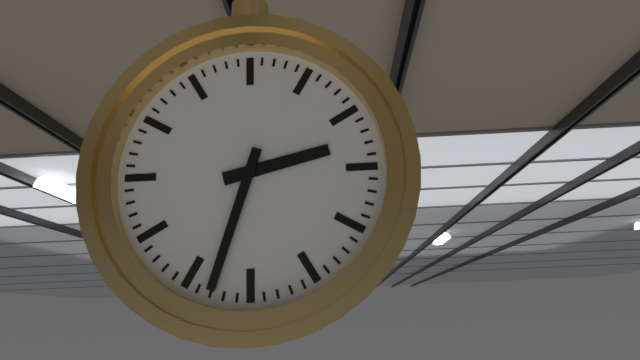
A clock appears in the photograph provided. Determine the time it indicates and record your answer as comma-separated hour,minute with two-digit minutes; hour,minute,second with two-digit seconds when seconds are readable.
2,33
